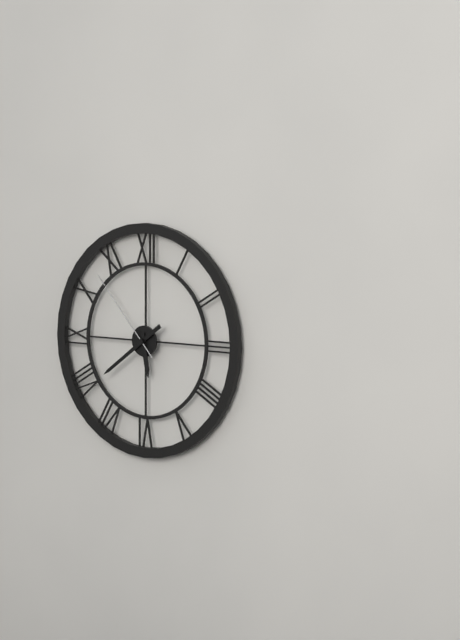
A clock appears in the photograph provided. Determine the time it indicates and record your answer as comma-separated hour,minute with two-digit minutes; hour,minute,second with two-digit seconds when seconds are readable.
5,39,53
